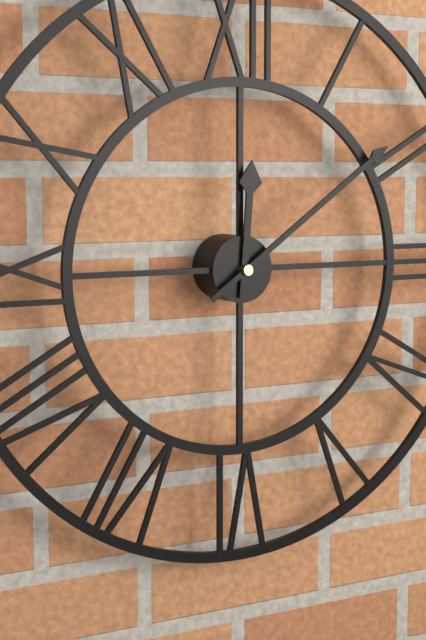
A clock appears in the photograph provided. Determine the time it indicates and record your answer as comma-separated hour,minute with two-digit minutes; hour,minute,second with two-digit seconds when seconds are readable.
12,09
